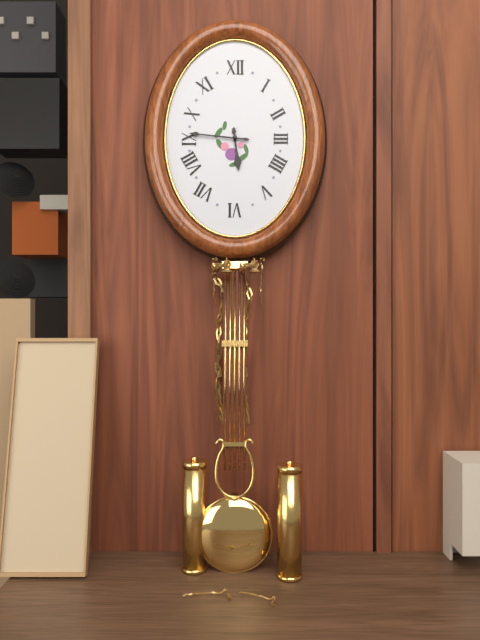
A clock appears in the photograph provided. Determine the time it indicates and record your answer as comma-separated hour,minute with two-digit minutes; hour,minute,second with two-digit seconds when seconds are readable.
5,46
